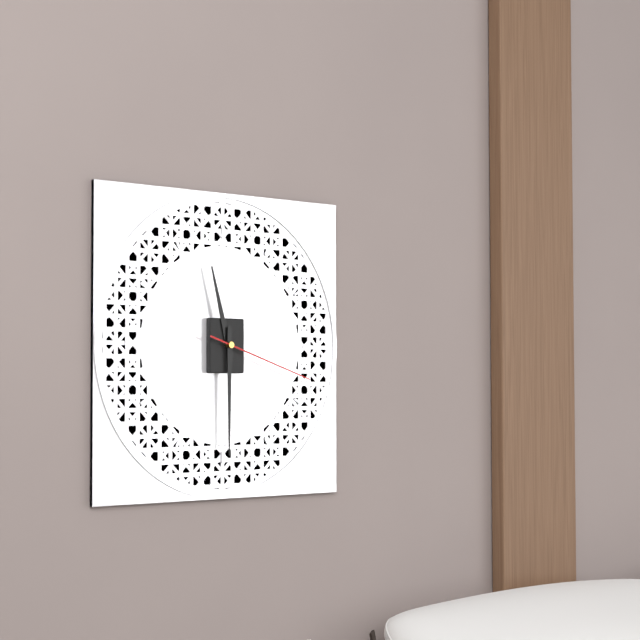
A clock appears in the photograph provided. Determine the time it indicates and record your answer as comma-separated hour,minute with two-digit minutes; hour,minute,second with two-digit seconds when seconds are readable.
11,30,18
